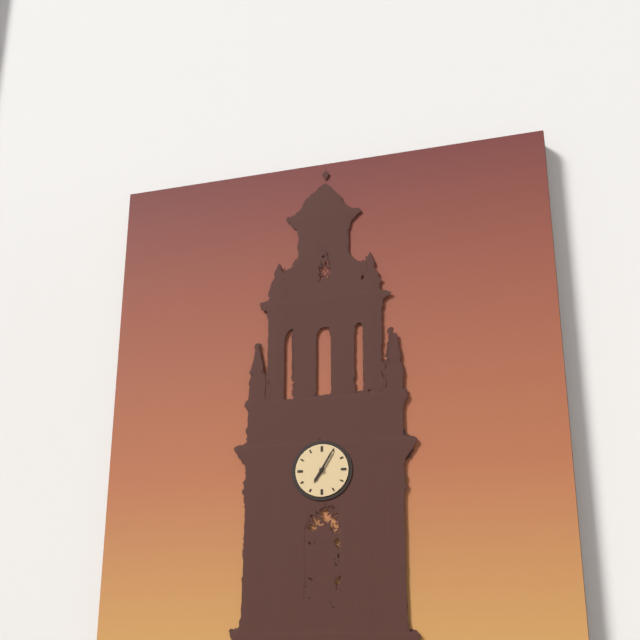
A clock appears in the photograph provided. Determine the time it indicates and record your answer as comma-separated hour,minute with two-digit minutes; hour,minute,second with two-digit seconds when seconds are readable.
7,05
